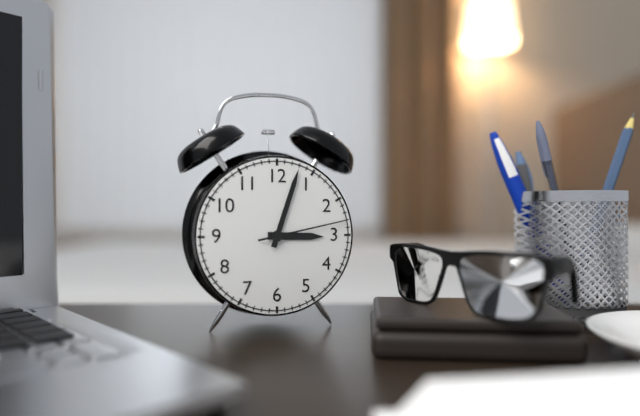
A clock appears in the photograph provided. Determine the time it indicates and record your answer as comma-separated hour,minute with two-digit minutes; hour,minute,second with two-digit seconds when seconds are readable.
3,03,13
